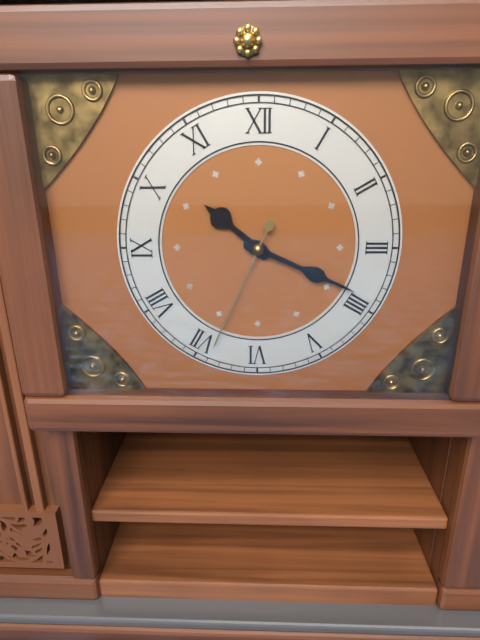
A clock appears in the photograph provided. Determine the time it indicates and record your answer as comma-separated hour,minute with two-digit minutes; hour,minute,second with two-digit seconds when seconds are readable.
10,19,34
